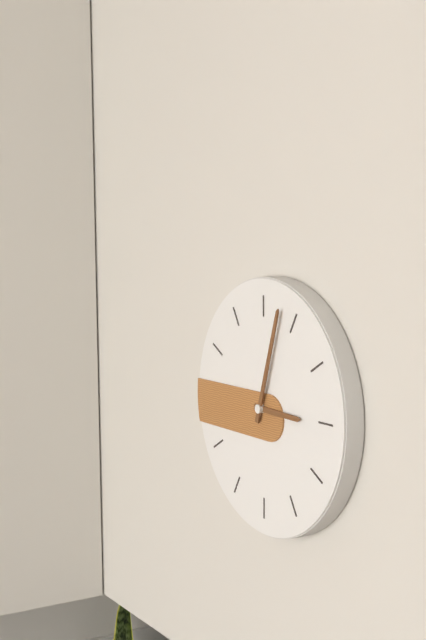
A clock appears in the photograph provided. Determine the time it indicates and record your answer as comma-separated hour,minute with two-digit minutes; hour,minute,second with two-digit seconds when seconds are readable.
3,03
